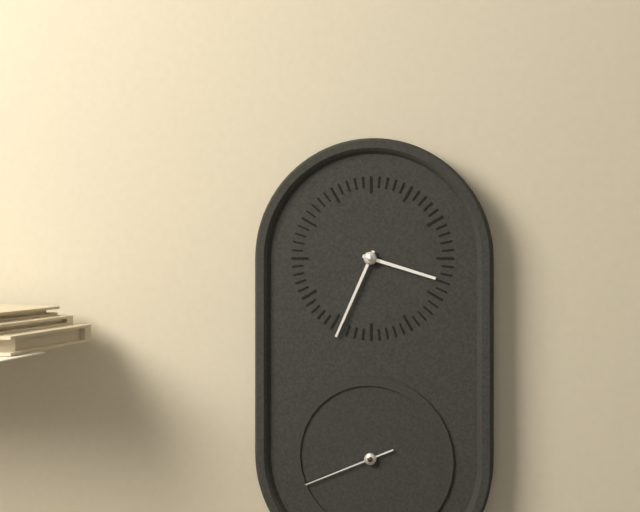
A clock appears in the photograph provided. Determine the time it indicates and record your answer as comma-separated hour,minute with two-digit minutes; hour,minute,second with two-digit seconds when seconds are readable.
3,34,41
